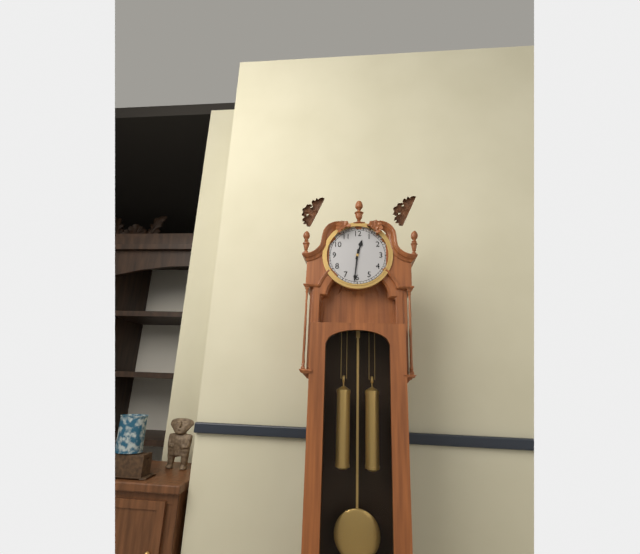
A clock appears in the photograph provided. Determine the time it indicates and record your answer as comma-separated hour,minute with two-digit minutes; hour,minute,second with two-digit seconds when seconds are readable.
12,31
